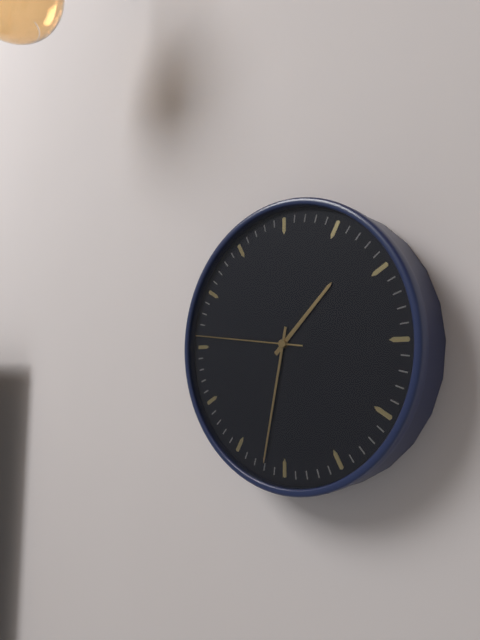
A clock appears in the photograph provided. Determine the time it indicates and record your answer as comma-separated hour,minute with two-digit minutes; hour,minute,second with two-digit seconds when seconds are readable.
1,32,46
